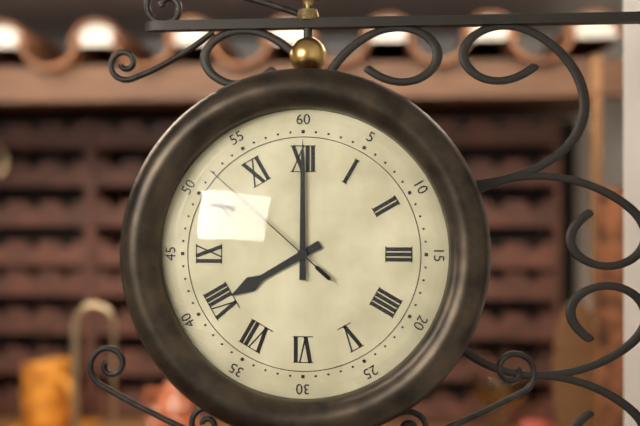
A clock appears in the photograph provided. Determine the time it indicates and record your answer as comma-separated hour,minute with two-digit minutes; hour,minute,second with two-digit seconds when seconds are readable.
8,00,52
